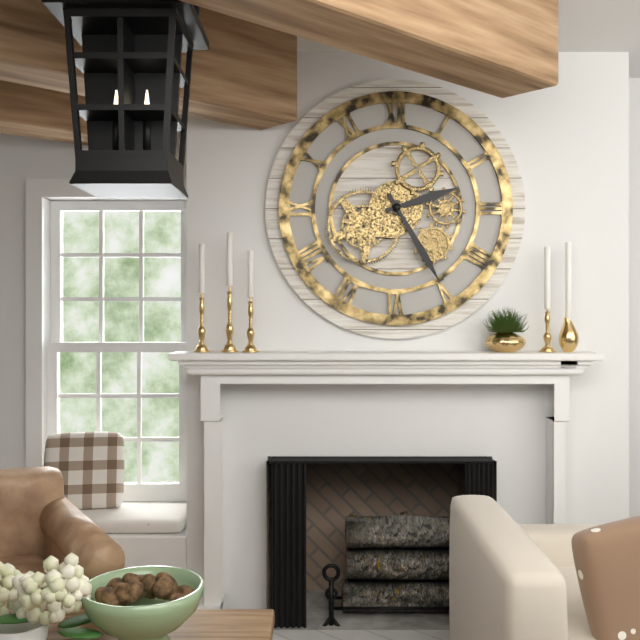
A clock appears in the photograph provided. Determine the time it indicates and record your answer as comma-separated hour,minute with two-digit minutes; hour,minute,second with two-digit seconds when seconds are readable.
2,25
